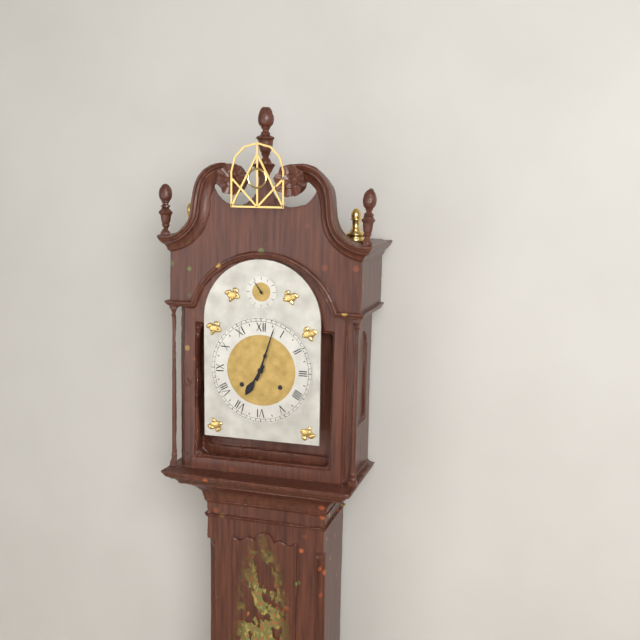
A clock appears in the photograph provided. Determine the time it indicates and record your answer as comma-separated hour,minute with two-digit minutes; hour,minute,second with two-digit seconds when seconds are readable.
7,03
